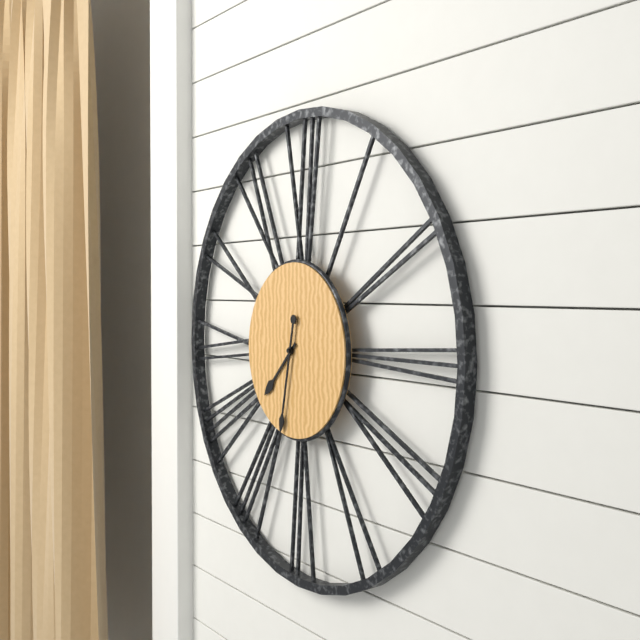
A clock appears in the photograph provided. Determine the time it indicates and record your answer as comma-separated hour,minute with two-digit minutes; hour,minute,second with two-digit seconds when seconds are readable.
7,32
